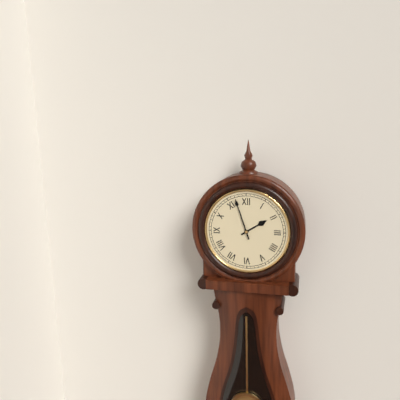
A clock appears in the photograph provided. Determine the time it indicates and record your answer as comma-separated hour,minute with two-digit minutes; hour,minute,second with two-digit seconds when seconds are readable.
1,57
